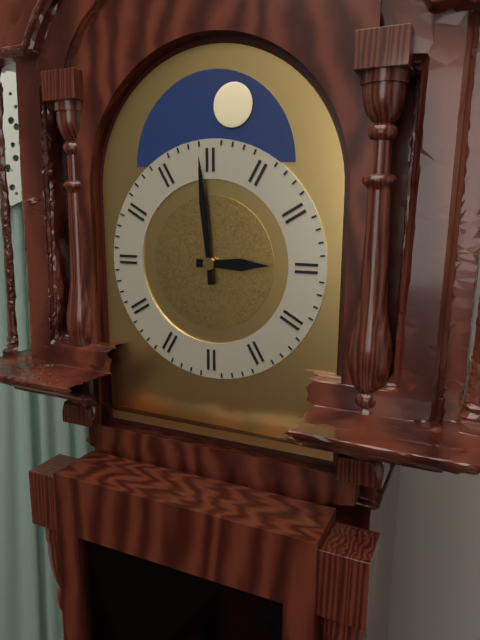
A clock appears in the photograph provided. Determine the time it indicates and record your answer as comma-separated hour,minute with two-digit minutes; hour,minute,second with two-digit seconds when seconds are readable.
2,59
